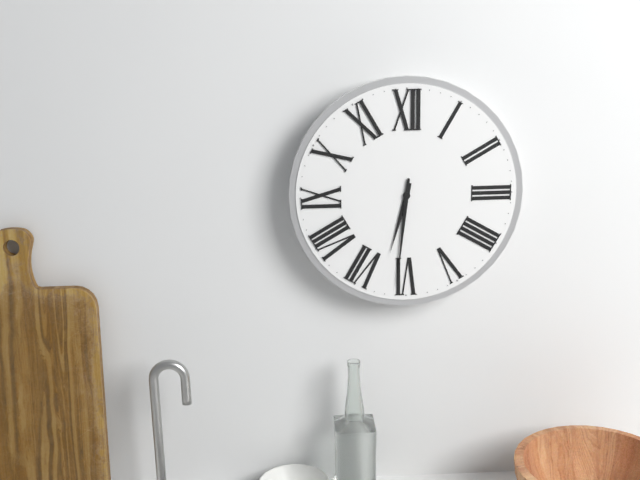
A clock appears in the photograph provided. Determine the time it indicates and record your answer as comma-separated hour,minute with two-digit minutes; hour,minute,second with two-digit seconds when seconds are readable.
6,31
